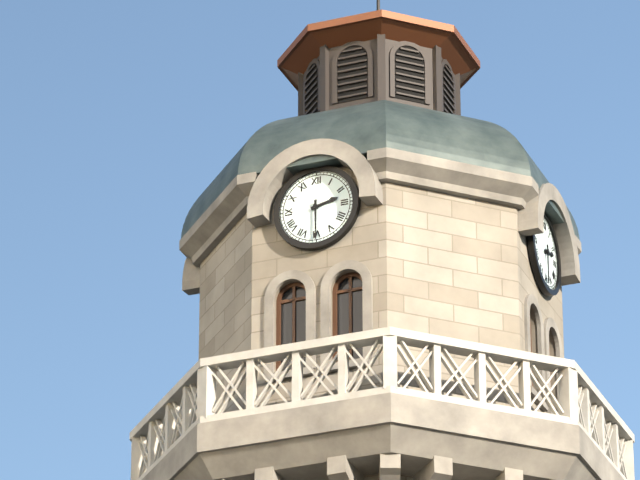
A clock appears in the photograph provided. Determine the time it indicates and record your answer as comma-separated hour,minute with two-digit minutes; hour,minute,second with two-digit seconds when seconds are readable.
2,30
